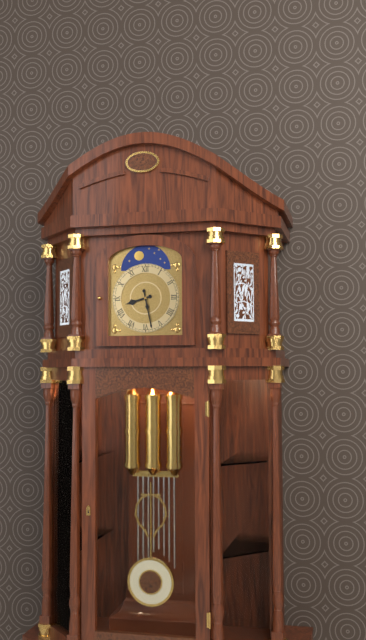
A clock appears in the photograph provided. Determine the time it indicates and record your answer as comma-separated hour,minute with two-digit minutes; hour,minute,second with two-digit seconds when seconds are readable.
8,28
